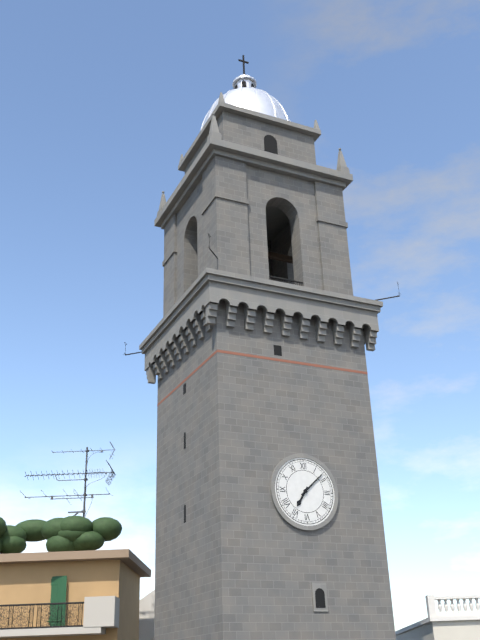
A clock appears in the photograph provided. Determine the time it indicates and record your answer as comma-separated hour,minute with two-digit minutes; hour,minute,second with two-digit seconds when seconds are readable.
7,08
